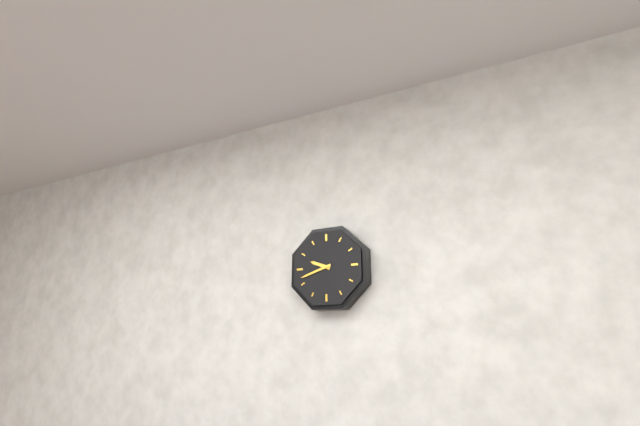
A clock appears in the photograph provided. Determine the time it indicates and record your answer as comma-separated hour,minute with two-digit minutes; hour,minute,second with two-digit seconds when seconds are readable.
9,42
